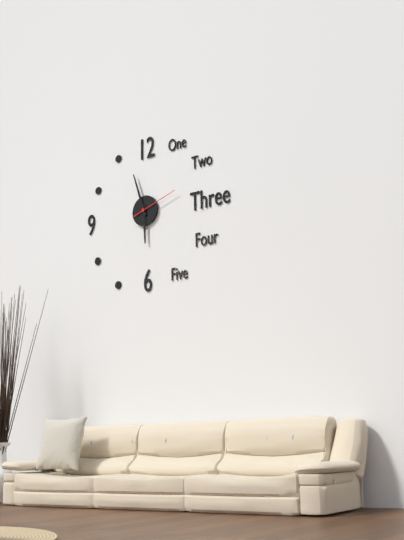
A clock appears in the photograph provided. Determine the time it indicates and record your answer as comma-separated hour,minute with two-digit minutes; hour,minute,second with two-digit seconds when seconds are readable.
5,57
